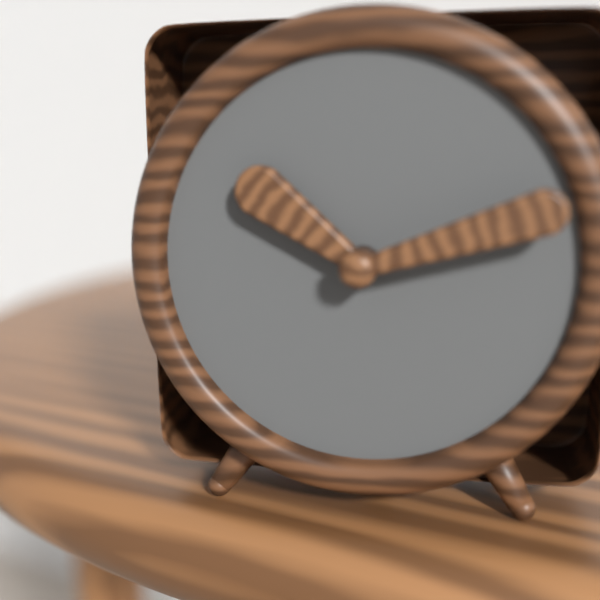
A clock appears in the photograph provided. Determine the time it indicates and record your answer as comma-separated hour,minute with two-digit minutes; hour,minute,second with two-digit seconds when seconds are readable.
10,12
